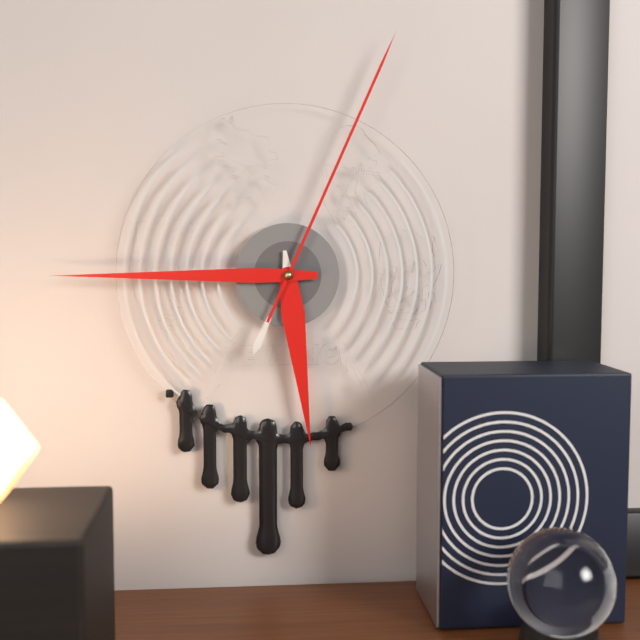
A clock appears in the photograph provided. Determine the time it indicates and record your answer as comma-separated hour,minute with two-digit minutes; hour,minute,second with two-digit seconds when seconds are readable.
5,45,04
